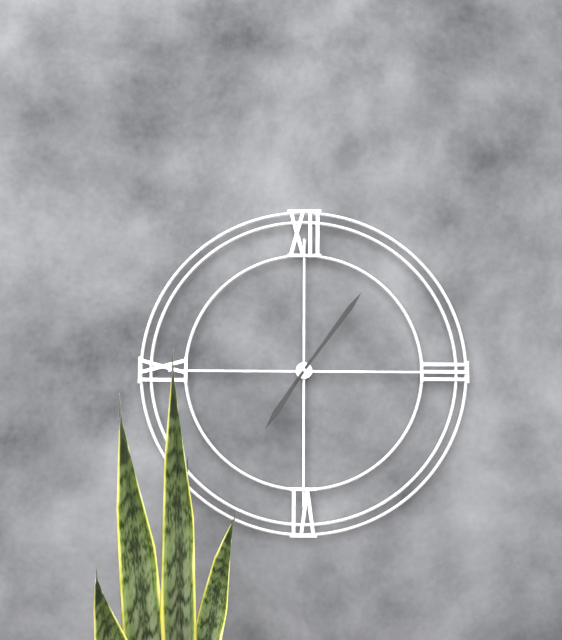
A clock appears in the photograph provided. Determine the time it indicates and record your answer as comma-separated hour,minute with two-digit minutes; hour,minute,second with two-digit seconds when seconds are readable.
7,06
